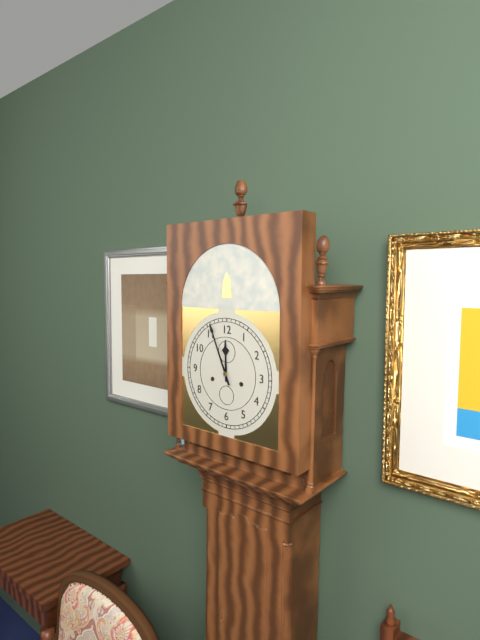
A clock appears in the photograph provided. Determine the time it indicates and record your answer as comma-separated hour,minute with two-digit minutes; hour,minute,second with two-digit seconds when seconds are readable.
11,56
